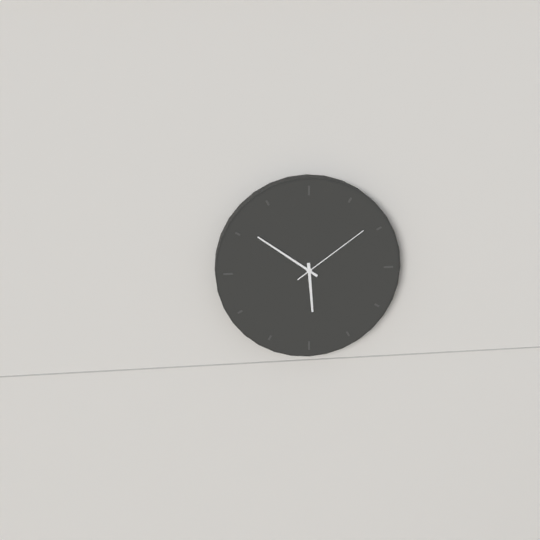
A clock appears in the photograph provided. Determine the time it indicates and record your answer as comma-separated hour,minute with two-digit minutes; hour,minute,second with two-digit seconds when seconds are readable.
5,51,09
